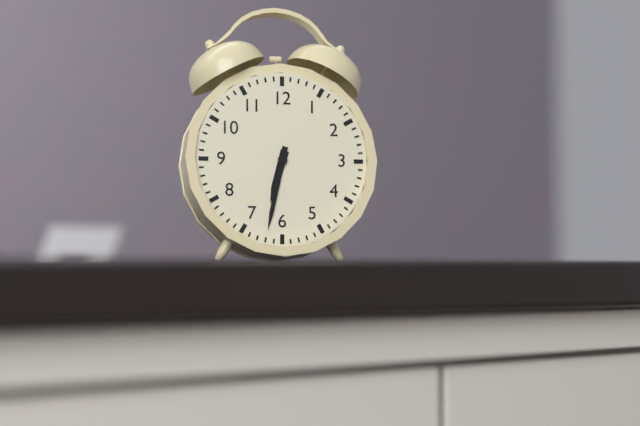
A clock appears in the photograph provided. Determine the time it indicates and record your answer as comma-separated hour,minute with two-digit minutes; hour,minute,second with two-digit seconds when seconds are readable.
6,32
